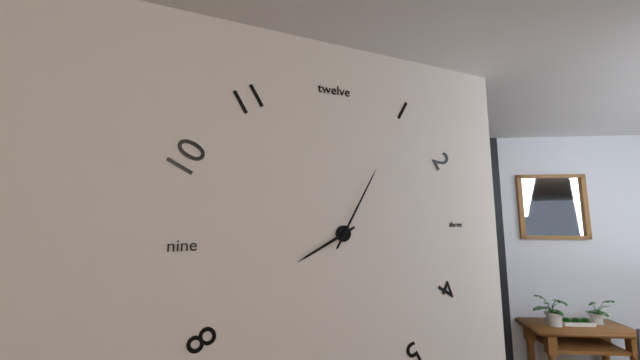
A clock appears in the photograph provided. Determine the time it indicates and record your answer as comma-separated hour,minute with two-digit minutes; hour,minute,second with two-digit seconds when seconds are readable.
8,05
